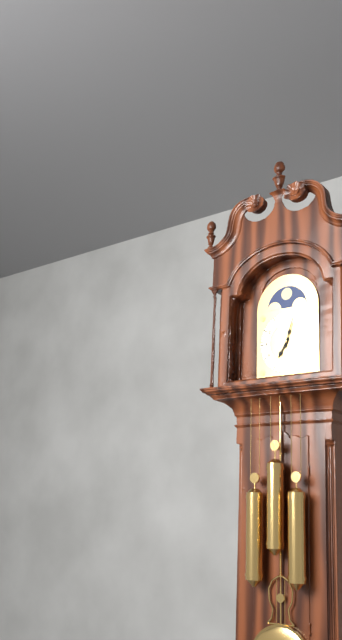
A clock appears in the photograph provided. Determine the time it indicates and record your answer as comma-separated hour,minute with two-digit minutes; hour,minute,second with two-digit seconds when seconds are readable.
7,03
